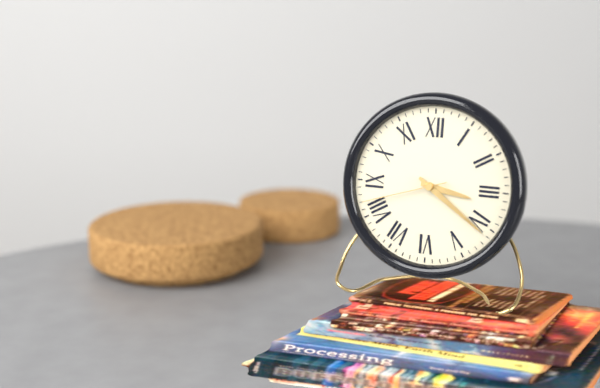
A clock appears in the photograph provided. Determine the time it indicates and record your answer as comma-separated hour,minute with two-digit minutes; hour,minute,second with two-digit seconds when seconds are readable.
3,21,42
